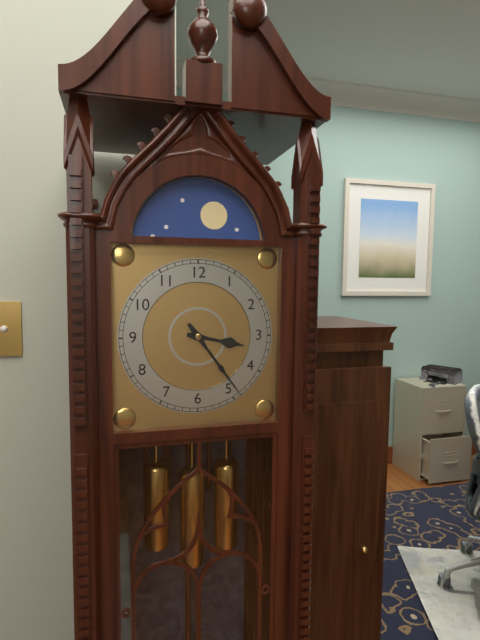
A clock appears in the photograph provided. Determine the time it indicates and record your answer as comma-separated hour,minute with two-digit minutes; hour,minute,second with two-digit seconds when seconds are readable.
3,24
